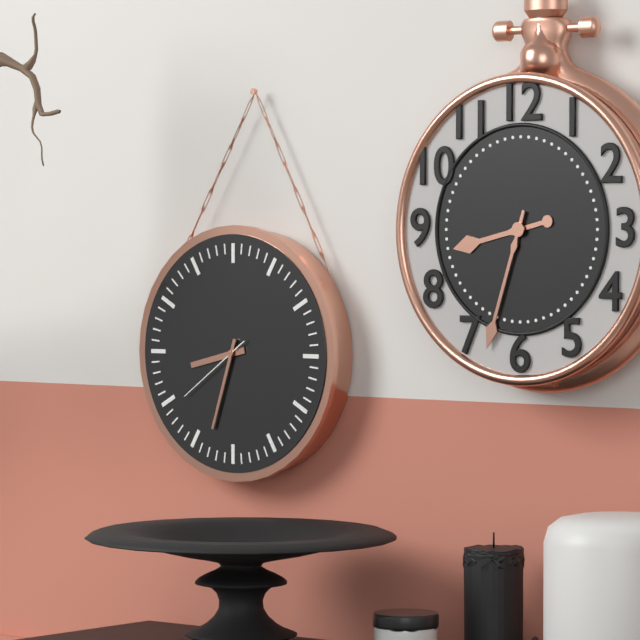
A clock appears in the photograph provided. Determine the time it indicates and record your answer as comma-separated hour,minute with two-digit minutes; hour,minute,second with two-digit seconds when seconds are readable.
8,33,39
